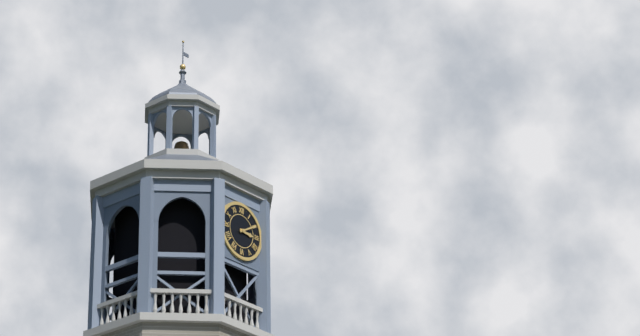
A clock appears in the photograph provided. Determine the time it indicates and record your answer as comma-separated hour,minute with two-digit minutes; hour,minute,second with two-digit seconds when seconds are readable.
3,10
